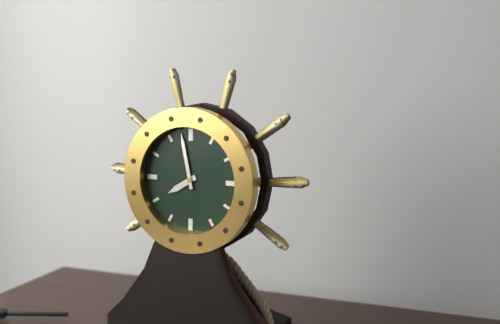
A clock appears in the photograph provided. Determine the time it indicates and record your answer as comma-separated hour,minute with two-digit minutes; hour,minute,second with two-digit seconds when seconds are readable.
7,58
